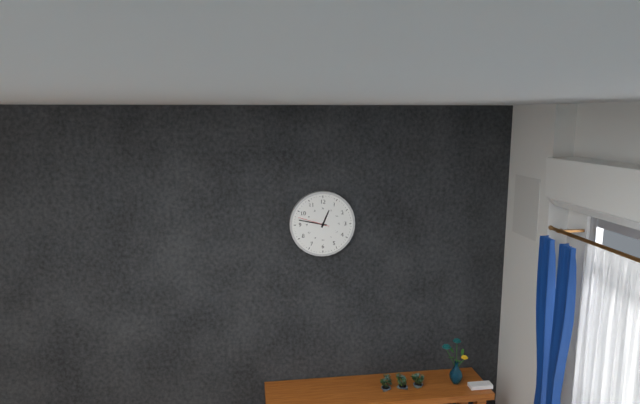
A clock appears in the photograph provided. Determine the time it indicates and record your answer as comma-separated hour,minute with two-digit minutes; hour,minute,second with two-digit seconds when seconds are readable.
12,47
